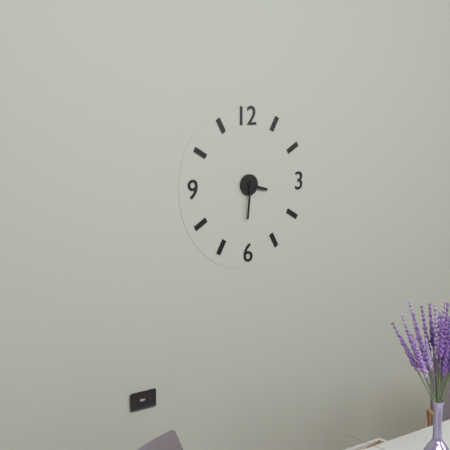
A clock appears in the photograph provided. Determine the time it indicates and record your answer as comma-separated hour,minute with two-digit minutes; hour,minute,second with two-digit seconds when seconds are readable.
3,31
